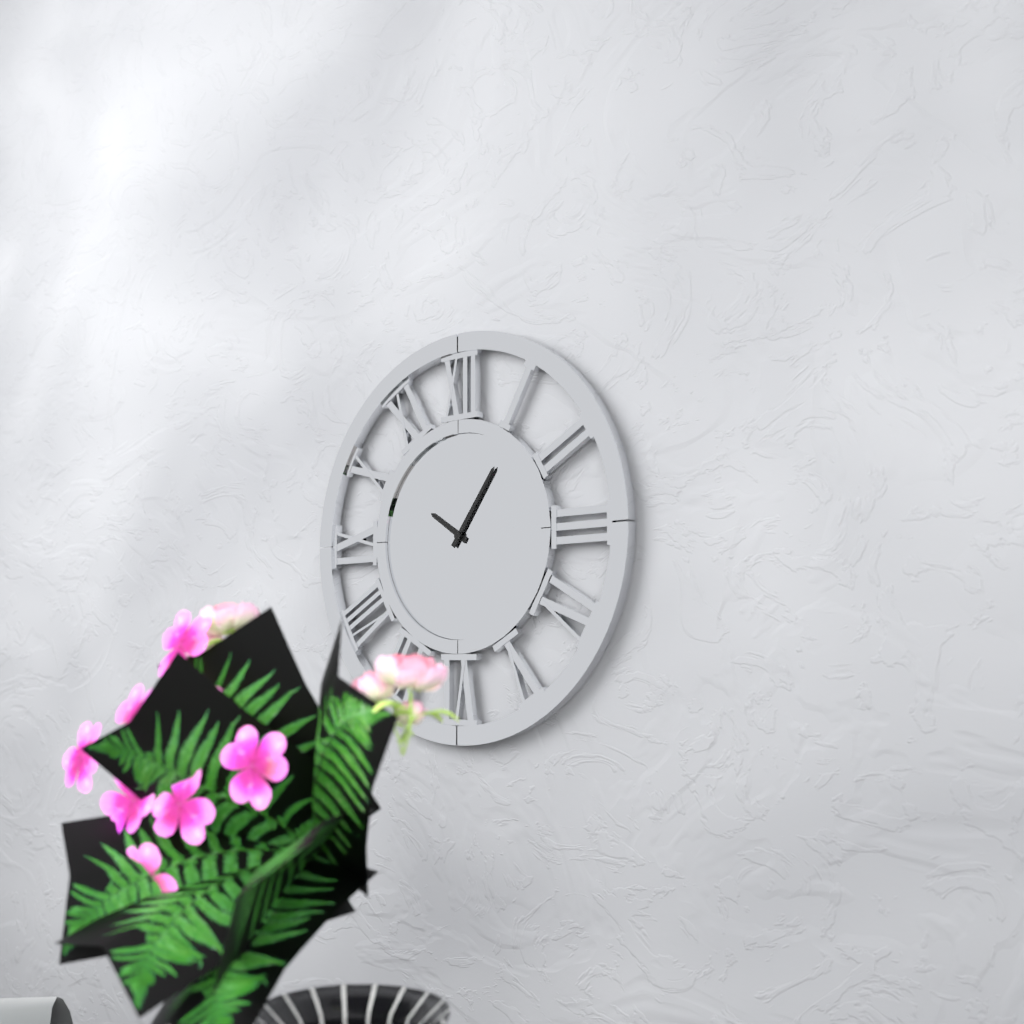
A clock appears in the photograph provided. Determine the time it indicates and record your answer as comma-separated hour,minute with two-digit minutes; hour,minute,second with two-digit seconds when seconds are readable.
10,06
